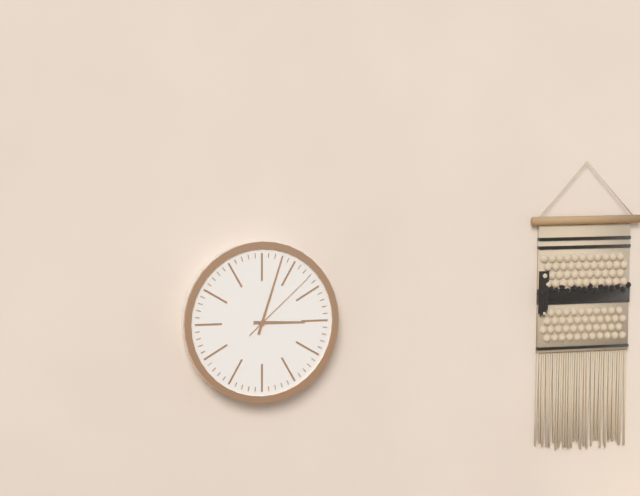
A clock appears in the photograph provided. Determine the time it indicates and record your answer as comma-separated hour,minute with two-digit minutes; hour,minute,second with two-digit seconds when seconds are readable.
3,03,08
